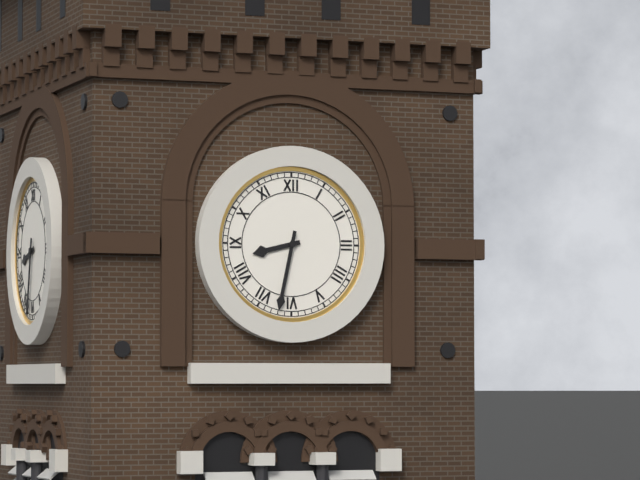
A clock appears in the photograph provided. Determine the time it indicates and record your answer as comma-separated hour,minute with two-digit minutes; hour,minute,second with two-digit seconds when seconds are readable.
8,32
